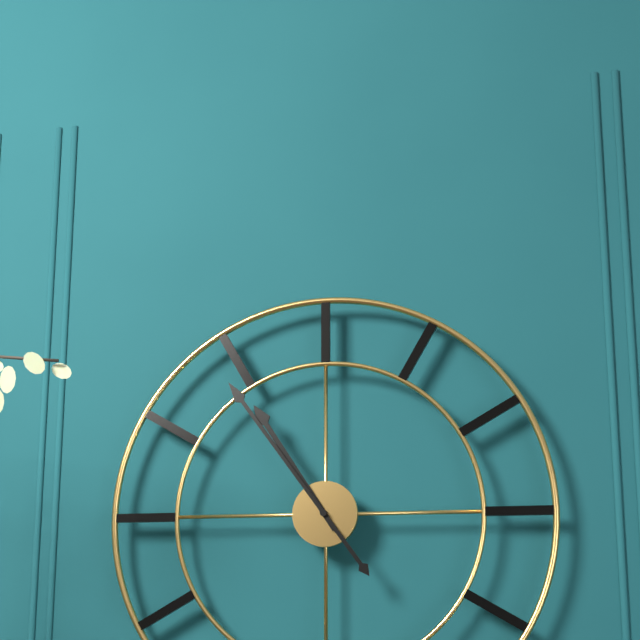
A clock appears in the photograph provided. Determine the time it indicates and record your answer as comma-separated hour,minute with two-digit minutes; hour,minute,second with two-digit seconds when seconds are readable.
10,54
